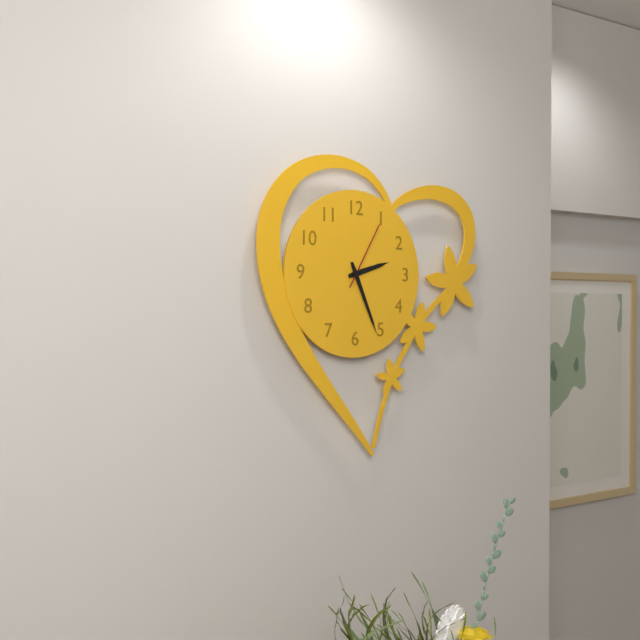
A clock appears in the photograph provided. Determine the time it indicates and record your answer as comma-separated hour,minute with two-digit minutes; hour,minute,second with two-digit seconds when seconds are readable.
2,26,05
